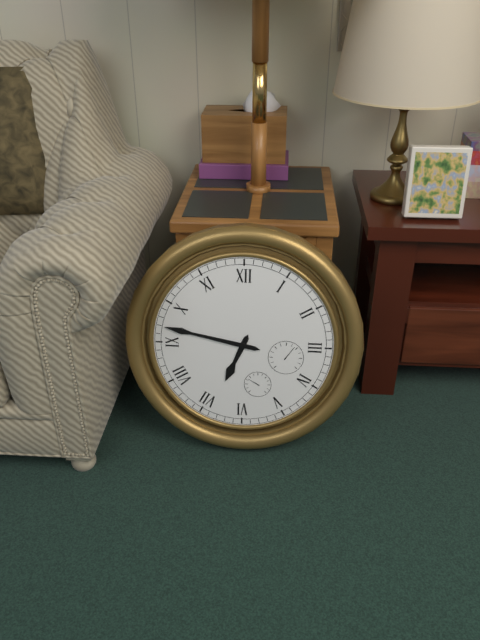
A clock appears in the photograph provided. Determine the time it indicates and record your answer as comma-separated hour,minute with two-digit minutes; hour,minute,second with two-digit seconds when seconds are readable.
6,47
